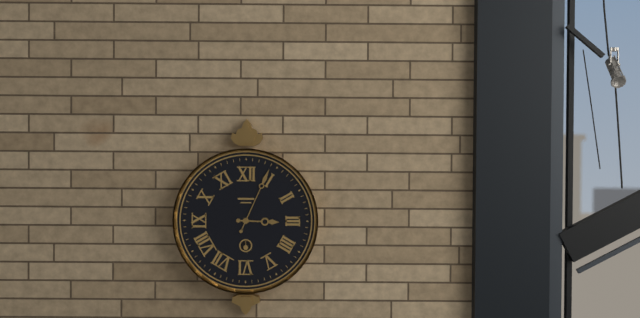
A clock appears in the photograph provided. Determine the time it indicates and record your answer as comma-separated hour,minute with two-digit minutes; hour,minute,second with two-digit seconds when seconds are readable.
3,04
